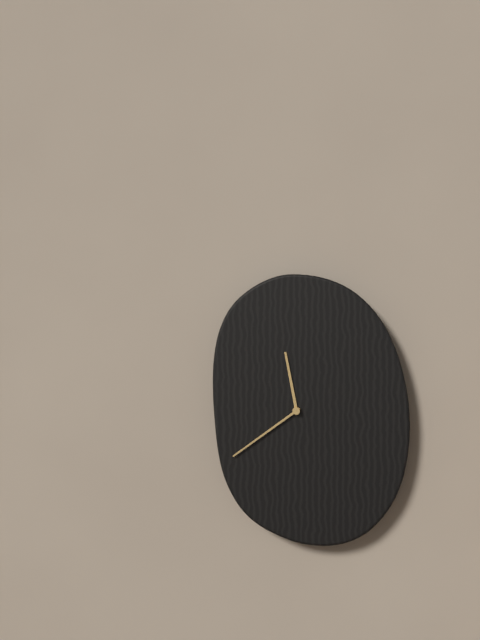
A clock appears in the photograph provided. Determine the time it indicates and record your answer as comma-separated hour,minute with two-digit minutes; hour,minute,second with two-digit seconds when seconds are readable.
11,39
